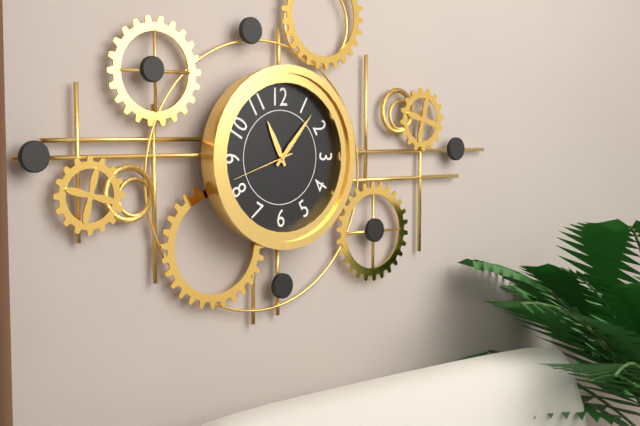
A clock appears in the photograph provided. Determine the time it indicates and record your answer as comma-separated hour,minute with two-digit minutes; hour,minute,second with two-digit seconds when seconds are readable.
11,07,42
